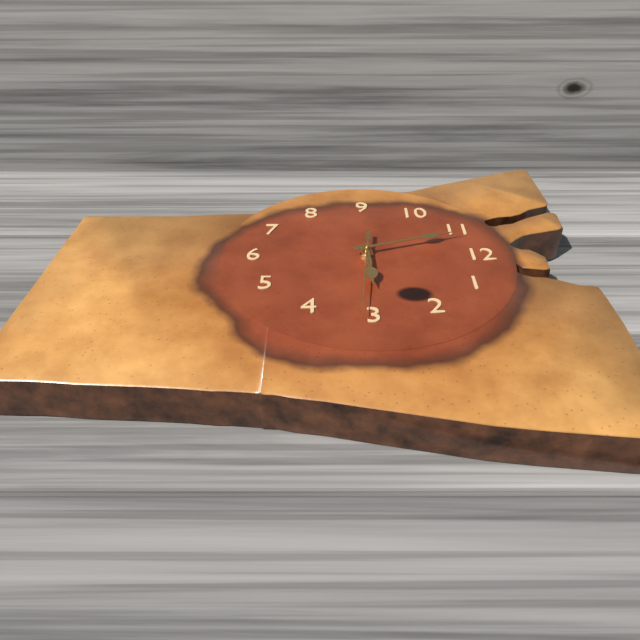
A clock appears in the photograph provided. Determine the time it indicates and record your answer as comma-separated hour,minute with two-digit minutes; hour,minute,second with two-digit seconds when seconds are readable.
2,57,16
